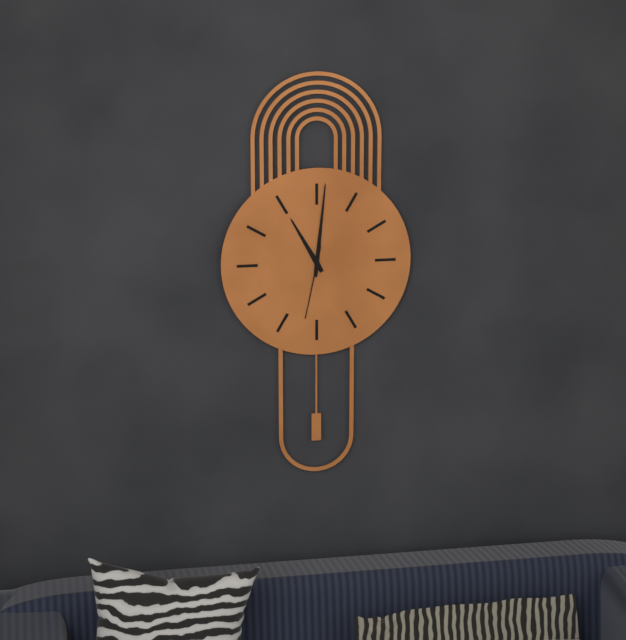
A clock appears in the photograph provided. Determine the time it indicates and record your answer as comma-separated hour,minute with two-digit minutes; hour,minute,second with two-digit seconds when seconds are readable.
11,01,32
